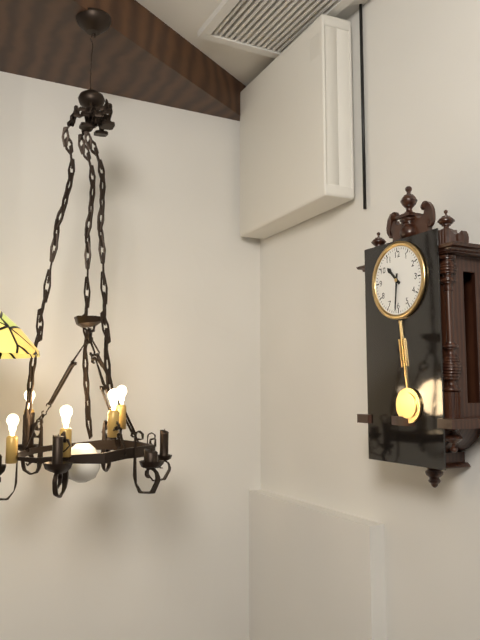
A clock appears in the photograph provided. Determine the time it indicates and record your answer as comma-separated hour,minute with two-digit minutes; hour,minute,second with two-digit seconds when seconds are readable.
10,31
